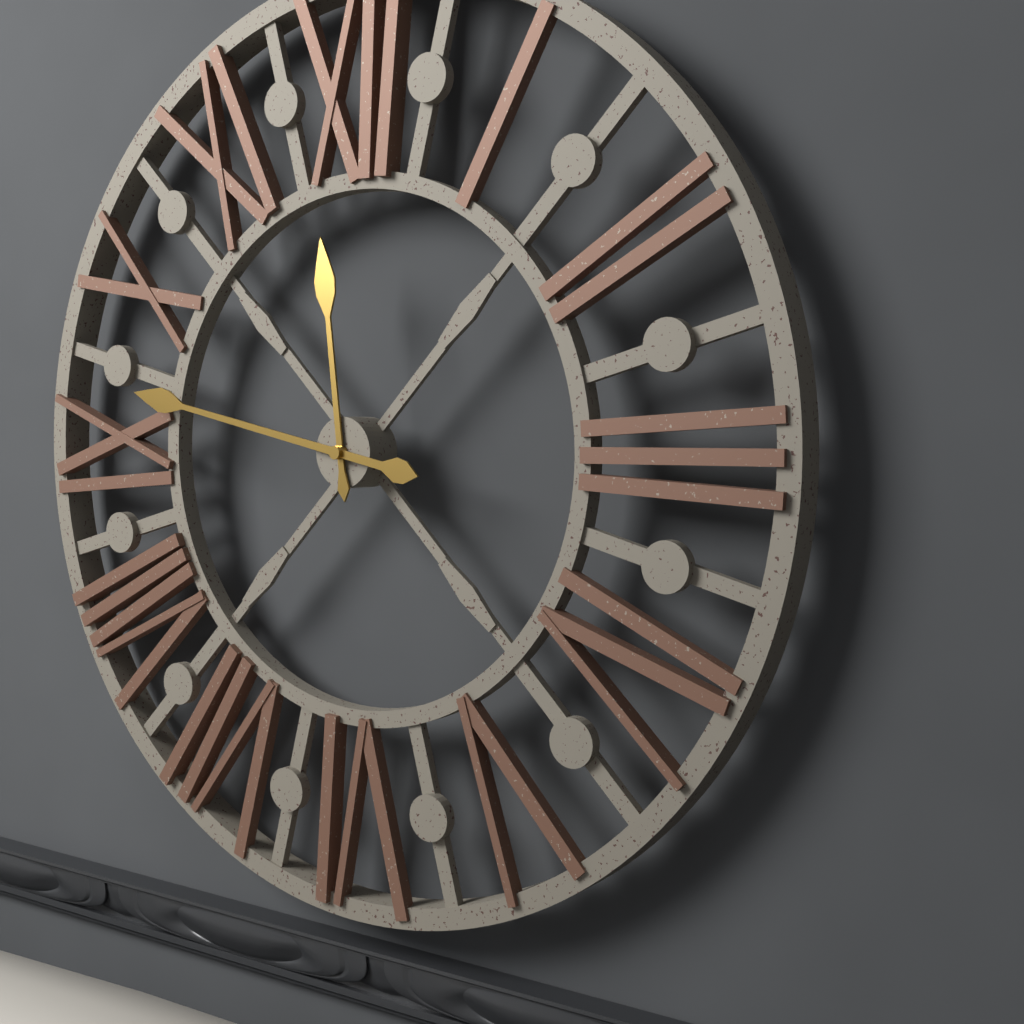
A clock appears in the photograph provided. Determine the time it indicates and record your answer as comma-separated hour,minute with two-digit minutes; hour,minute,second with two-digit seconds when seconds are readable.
11,47
